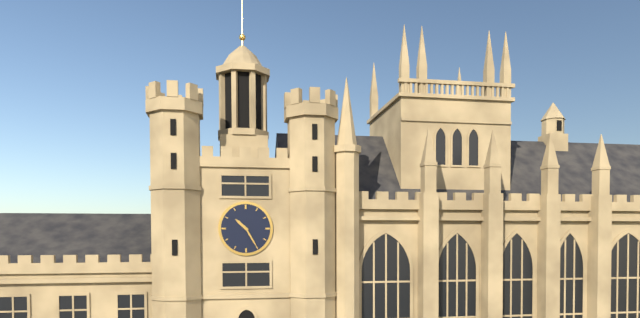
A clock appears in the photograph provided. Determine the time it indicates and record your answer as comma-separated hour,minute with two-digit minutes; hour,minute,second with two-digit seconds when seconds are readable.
10,25
